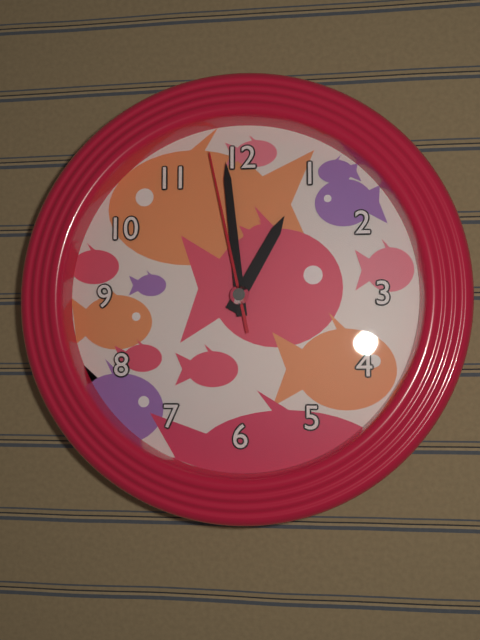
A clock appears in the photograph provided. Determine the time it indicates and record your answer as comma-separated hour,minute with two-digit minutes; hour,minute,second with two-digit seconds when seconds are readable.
12,59,58
